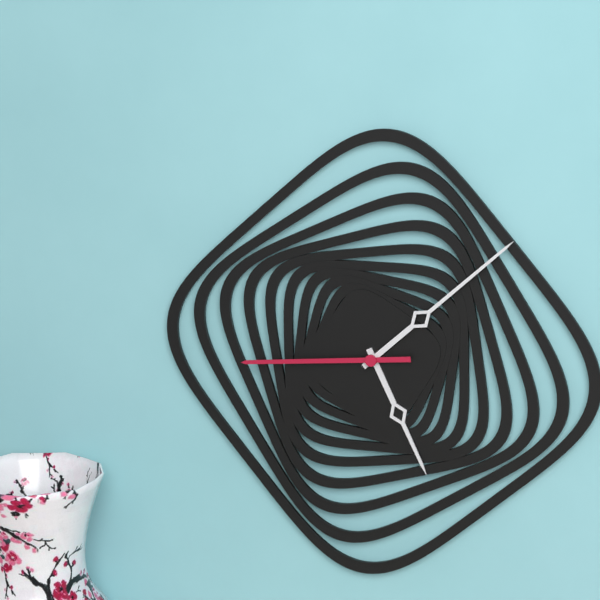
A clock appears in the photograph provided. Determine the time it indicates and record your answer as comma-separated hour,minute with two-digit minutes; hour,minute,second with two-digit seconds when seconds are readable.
5,08,44
